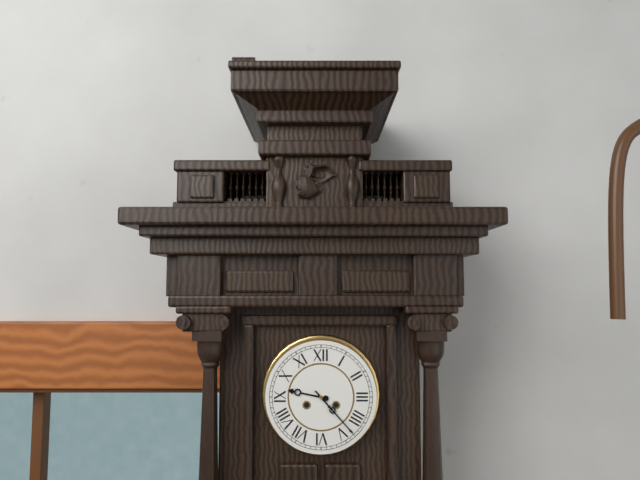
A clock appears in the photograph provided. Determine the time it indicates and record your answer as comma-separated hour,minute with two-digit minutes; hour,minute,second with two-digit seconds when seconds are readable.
9,23
